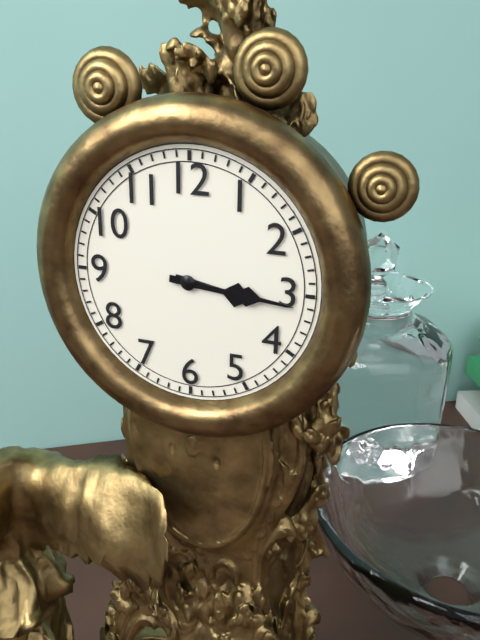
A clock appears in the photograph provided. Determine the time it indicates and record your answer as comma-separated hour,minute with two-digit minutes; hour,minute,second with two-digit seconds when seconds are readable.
3,16
